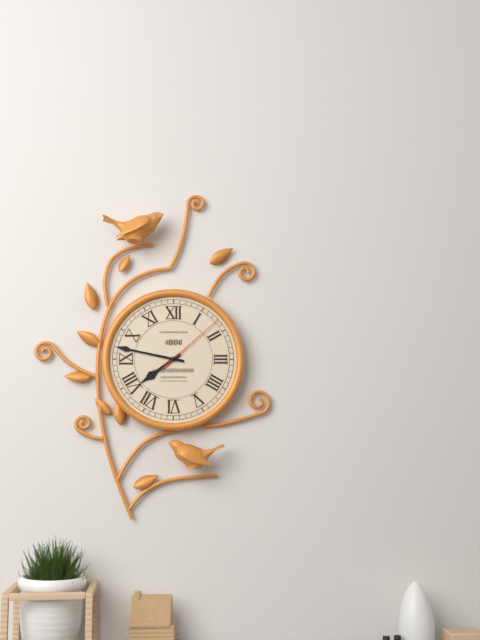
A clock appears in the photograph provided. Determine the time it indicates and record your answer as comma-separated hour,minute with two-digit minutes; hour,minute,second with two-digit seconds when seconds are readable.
7,47,08
